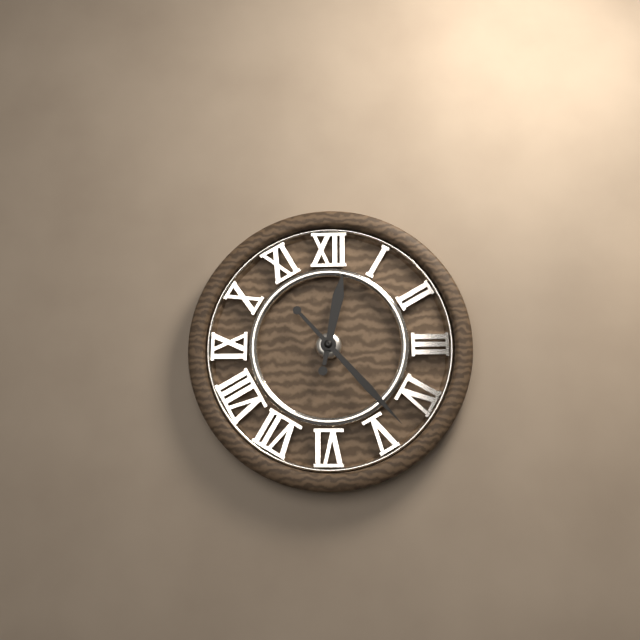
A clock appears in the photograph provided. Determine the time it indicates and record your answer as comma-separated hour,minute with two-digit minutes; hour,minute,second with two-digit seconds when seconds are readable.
12,23
